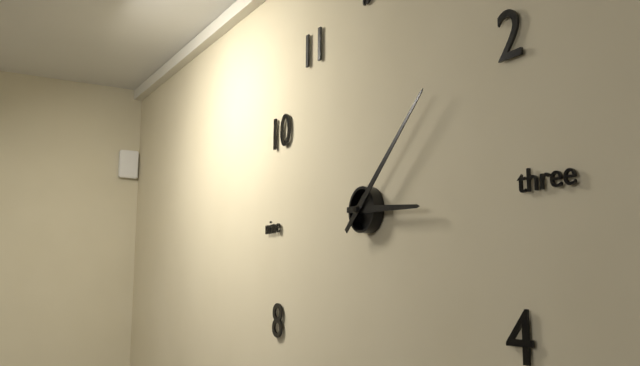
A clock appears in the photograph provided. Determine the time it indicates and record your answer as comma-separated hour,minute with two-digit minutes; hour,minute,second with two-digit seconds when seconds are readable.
3,08
